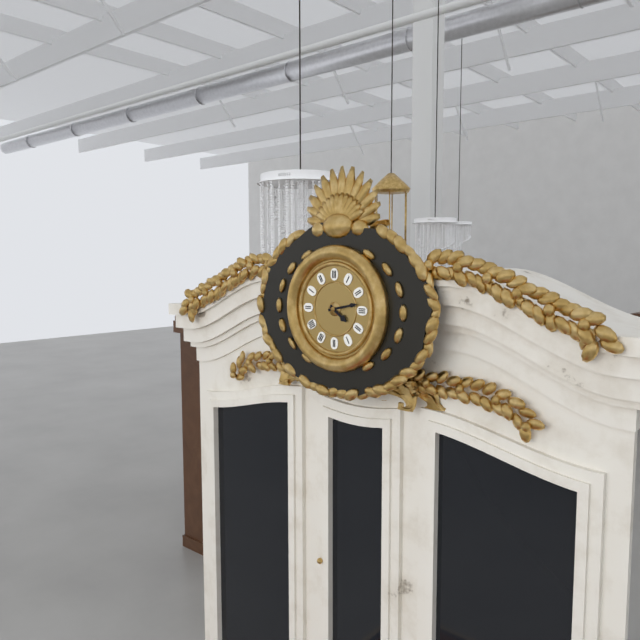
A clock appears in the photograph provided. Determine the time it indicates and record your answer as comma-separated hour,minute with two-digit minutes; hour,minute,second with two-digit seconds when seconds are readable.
4,13
